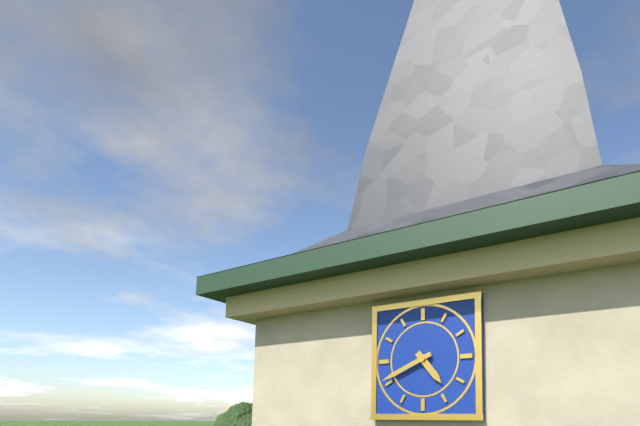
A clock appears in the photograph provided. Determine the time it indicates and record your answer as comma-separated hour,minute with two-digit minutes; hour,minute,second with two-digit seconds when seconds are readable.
4,41
